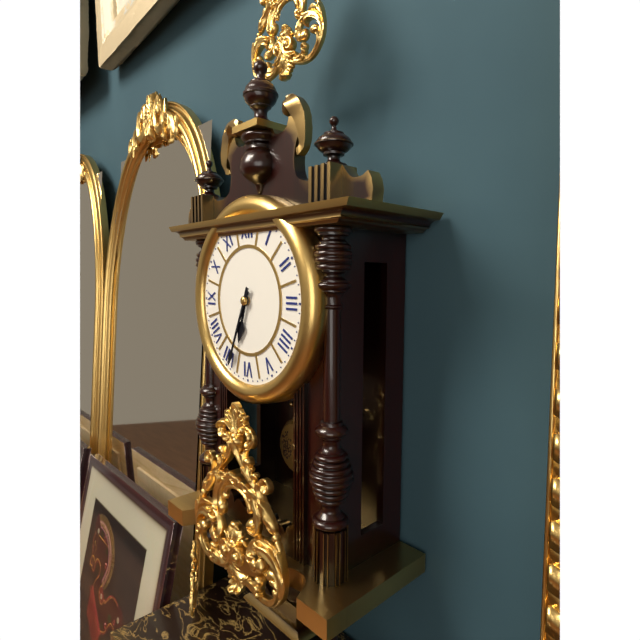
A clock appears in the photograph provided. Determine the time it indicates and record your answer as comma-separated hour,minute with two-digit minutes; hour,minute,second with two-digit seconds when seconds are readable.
6,34
